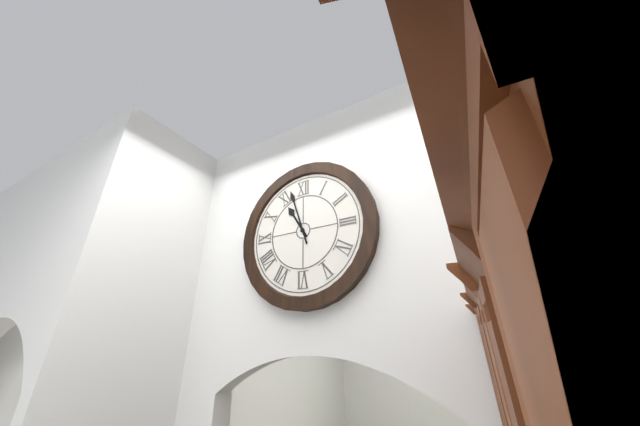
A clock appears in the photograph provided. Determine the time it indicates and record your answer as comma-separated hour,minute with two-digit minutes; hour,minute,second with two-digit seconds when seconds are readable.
10,57
